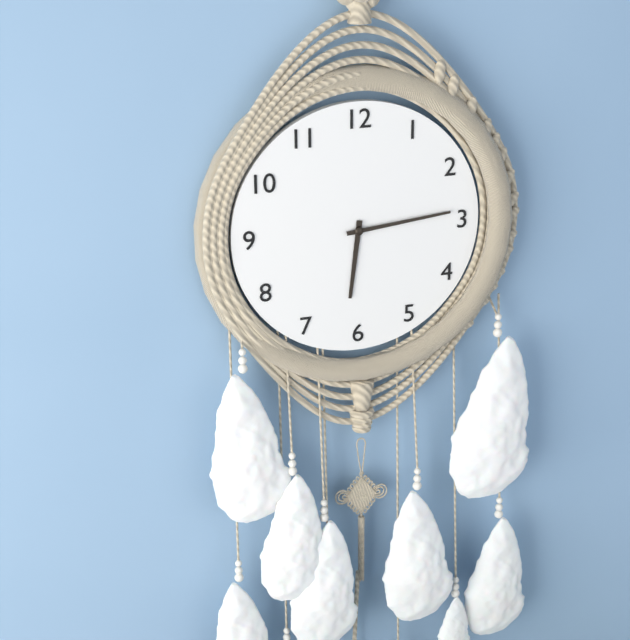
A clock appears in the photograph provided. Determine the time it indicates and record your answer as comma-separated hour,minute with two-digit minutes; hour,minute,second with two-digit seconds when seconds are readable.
6,14
